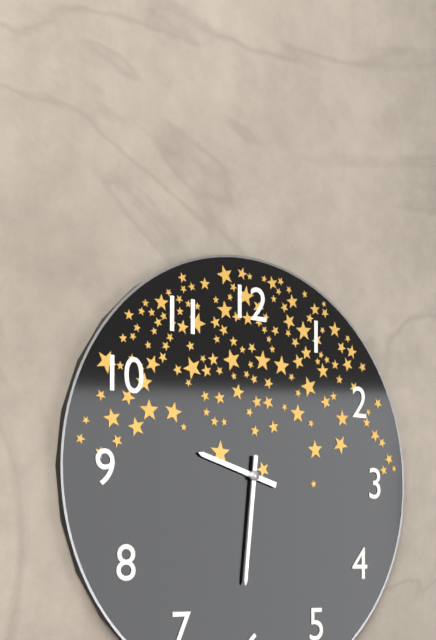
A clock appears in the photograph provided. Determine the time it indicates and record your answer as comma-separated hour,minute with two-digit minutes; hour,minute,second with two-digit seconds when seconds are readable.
9,31
